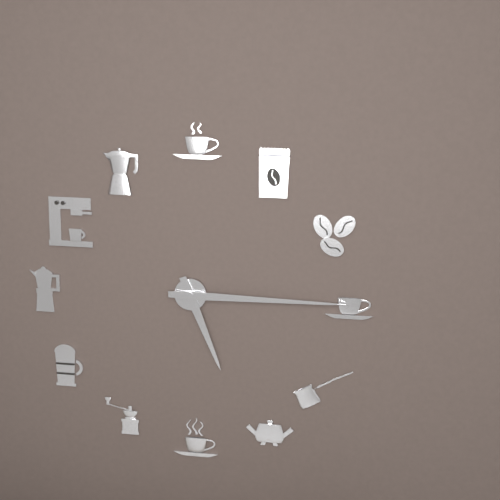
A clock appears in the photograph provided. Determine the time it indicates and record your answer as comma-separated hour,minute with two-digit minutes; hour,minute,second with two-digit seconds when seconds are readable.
5,15
